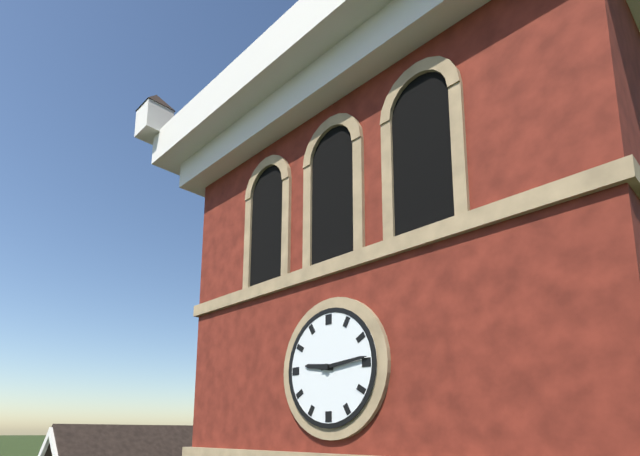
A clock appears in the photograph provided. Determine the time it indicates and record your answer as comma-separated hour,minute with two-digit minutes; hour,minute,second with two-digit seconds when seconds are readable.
9,14
